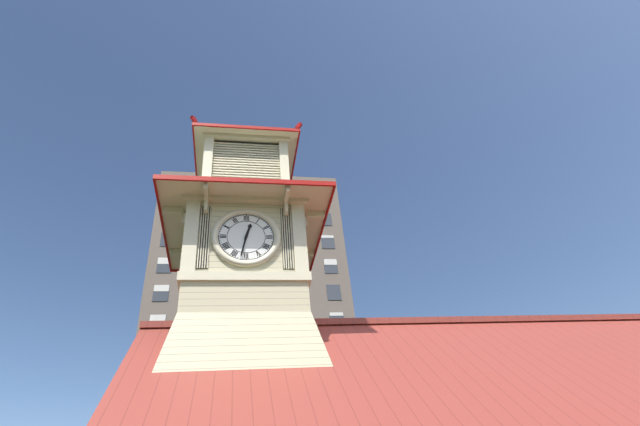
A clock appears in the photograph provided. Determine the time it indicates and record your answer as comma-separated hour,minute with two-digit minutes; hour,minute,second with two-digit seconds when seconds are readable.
12,32
